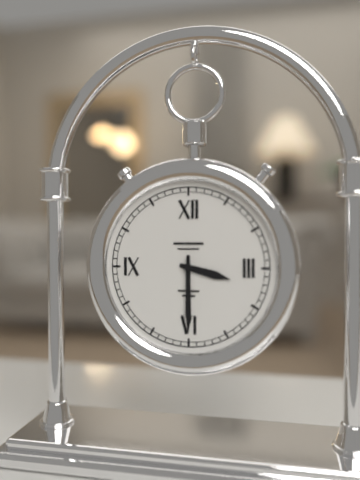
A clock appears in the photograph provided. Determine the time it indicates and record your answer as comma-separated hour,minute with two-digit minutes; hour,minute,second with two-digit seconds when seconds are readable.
3,30
